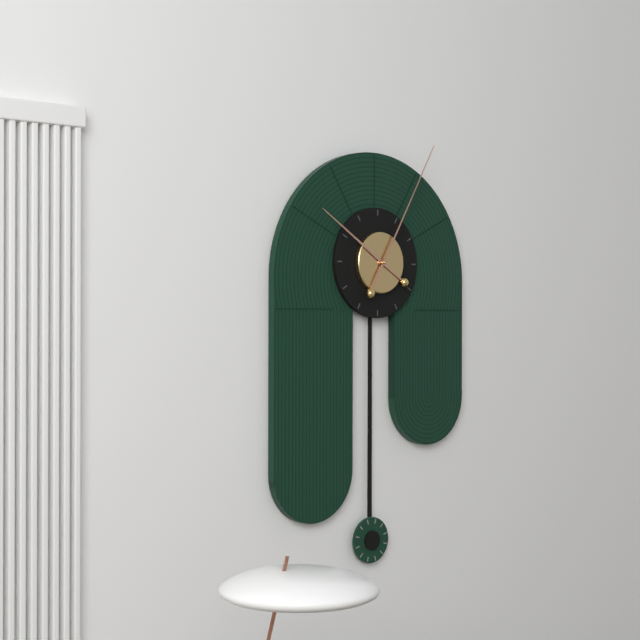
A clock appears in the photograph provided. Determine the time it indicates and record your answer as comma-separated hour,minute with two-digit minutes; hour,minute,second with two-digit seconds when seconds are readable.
10,05
